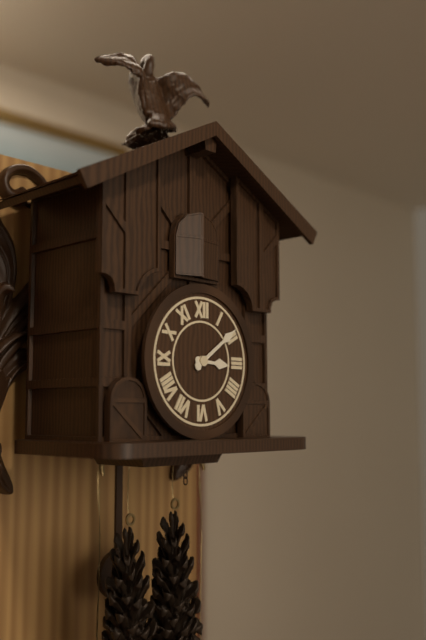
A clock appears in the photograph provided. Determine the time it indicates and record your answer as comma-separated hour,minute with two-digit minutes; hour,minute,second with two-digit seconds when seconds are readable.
3,09
